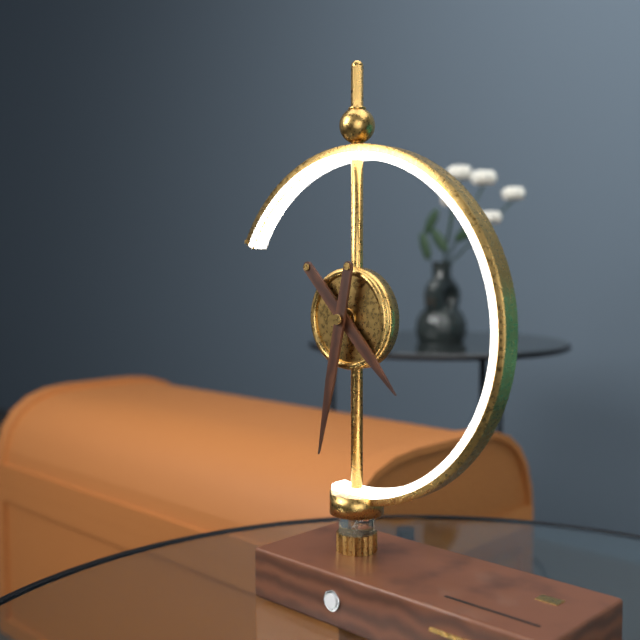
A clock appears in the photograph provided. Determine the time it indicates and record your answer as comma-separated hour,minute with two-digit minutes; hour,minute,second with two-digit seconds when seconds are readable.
4,32
